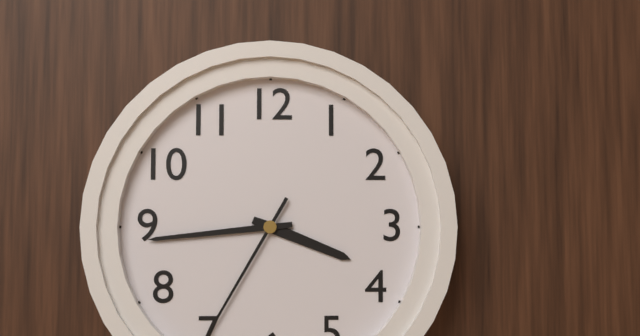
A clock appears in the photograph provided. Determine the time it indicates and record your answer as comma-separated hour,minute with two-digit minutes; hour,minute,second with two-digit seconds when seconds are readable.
3,44
